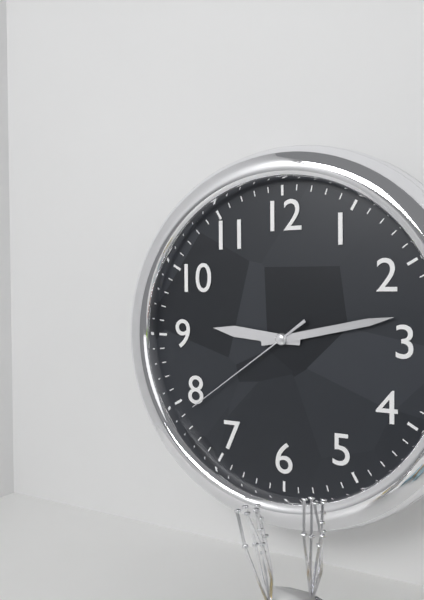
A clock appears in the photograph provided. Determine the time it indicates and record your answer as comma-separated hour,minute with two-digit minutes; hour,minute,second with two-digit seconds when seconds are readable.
9,13,39
